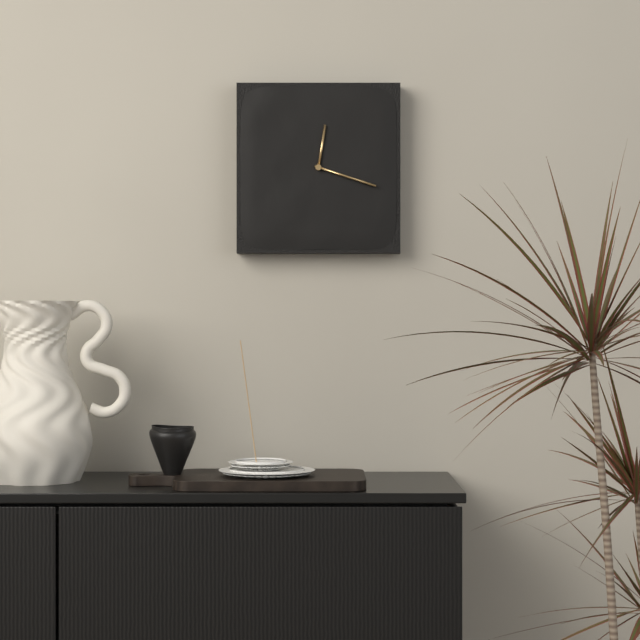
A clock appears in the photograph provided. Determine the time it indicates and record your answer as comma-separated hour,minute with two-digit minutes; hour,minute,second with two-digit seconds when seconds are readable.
12,18
